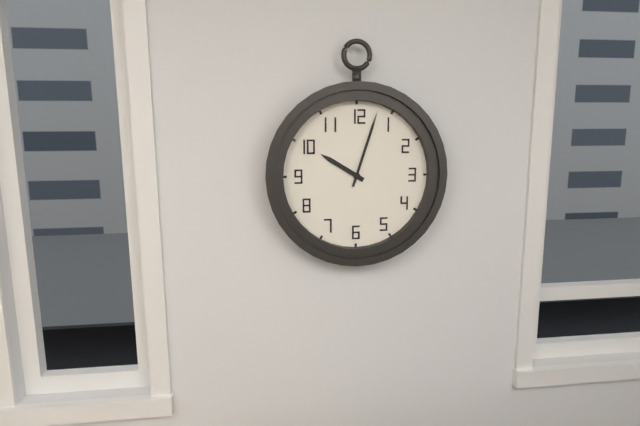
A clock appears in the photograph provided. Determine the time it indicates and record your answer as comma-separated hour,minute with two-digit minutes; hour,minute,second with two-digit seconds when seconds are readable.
10,03
